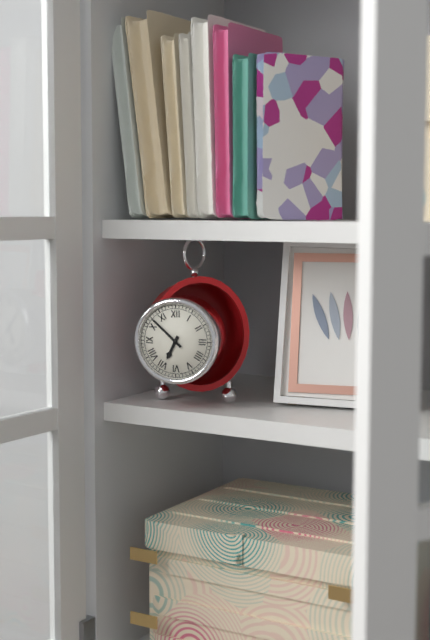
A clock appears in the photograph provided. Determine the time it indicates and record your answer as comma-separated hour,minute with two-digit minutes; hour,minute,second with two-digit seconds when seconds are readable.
6,52
